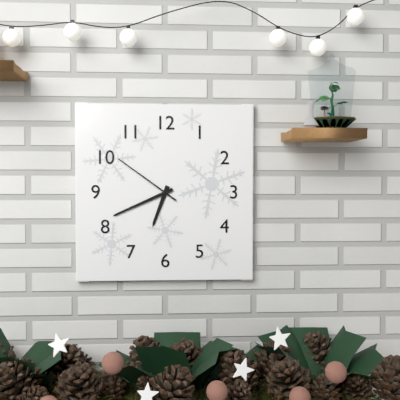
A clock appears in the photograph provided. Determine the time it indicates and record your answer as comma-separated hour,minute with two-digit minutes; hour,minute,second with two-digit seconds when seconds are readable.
6,41,51
